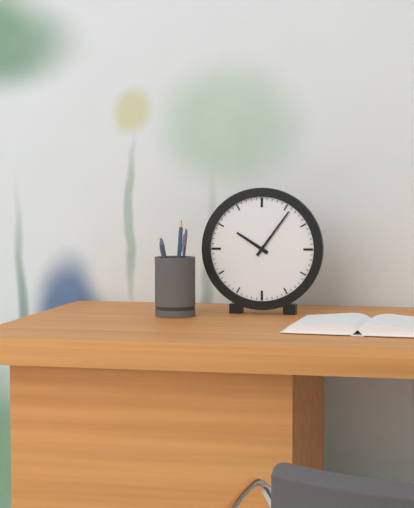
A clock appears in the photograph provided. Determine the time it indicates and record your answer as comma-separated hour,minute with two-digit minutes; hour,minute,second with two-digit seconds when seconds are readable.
10,06
